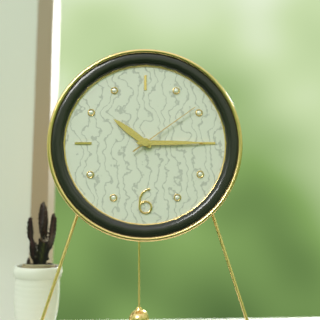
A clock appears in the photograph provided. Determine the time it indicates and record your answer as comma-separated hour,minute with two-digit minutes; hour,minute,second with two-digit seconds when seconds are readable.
10,15,09
